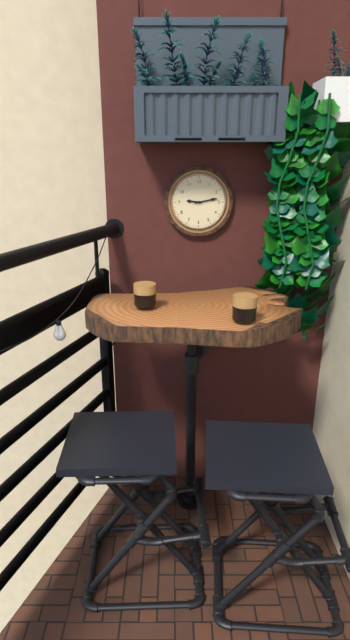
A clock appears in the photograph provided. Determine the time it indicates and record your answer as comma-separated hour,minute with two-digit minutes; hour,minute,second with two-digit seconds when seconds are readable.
9,13
